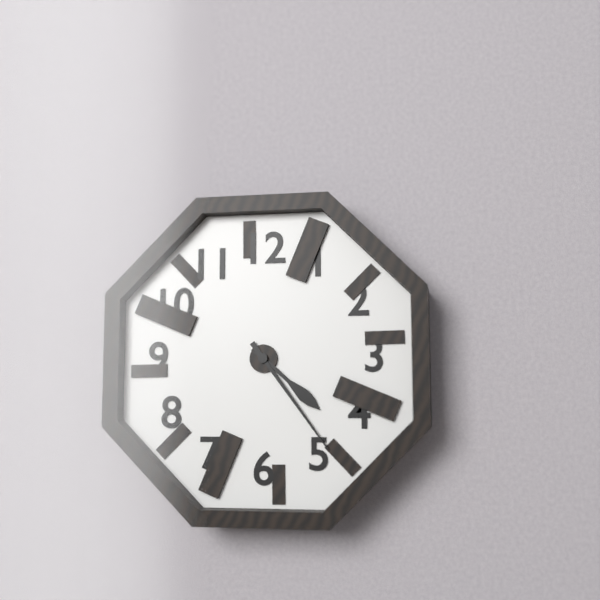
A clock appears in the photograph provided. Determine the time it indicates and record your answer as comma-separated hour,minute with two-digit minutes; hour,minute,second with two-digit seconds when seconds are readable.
4,24
